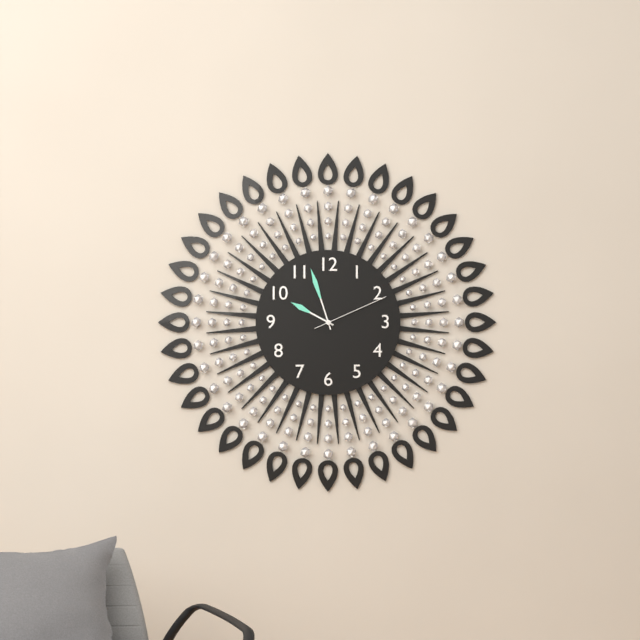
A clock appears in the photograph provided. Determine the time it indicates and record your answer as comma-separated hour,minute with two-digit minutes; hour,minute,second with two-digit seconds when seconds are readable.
9,57,11
